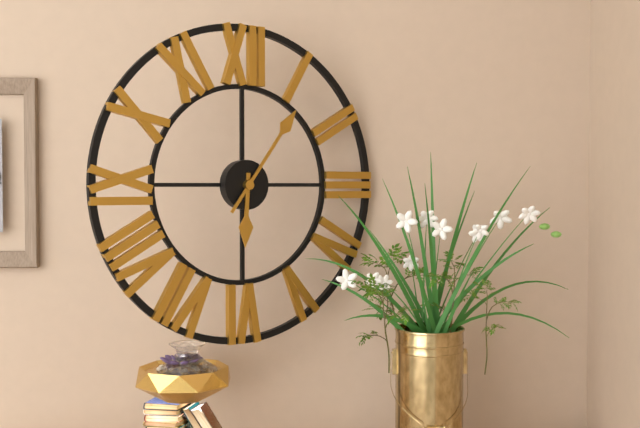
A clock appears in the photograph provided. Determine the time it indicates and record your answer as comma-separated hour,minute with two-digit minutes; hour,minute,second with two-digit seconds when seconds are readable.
6,06
